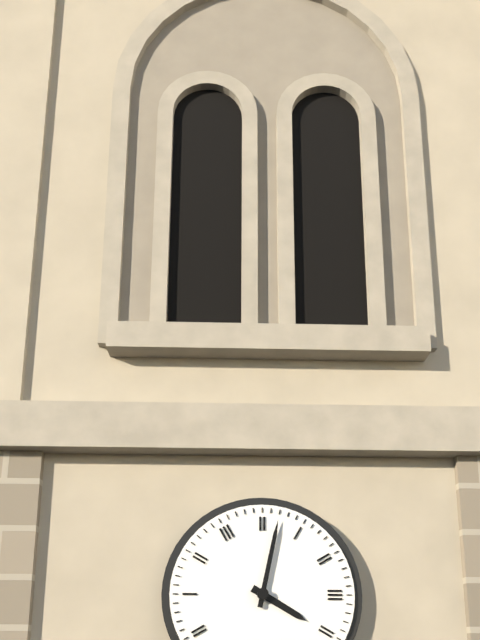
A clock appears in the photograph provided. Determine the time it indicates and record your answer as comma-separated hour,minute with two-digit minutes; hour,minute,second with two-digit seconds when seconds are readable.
4,02
